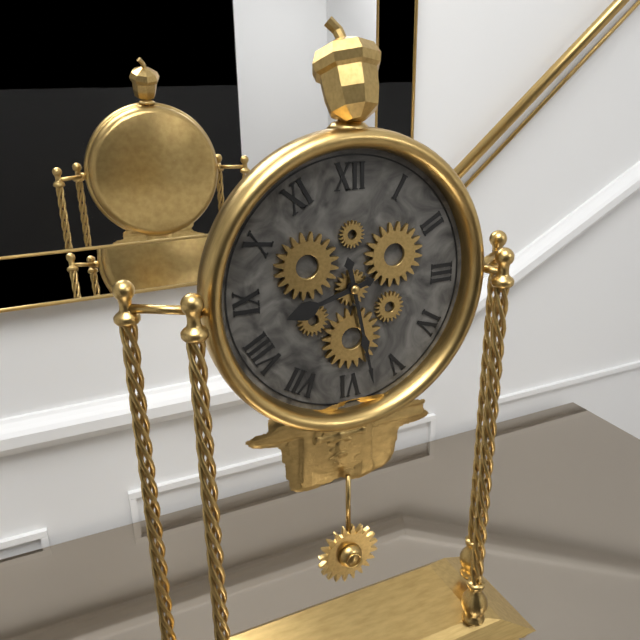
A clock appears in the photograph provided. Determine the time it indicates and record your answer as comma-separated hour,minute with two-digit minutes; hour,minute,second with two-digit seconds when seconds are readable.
8,28
